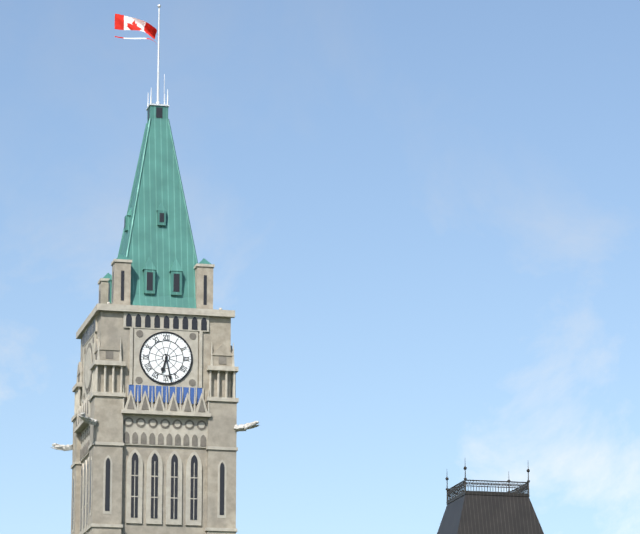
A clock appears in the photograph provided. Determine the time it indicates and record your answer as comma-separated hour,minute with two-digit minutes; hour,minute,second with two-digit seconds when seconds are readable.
6,28
